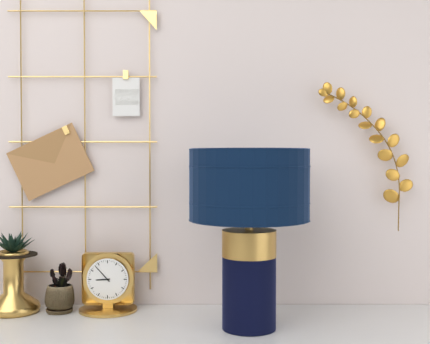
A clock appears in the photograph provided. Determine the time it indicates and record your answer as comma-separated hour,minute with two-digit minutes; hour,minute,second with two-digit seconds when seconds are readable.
8,53
